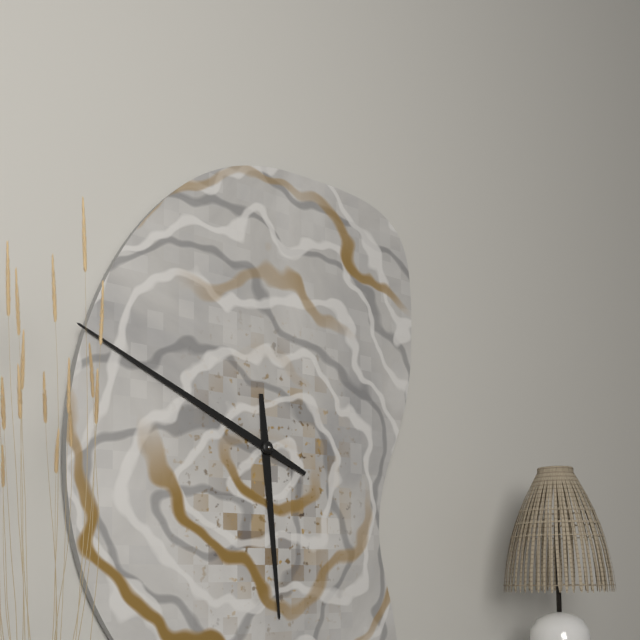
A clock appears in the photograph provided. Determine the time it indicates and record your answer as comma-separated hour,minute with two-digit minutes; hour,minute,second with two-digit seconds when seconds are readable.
5,49
